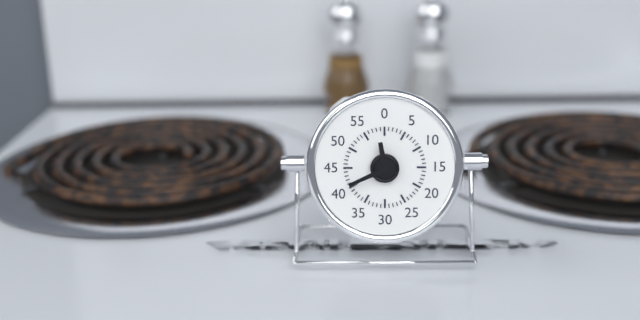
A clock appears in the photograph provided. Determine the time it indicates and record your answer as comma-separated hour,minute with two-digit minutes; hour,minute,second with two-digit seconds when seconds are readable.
11,41
